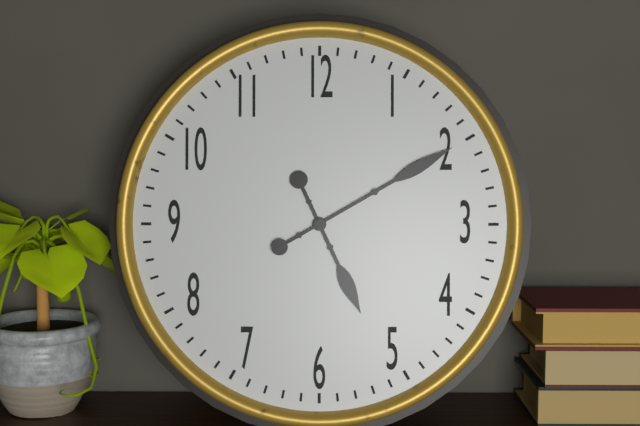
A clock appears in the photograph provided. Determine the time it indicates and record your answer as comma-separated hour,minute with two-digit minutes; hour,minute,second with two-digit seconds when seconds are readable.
5,10
